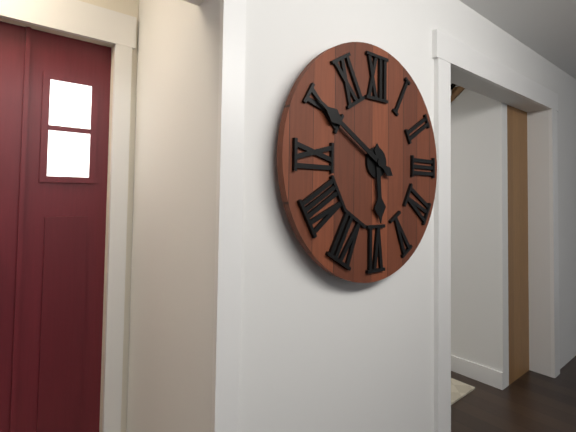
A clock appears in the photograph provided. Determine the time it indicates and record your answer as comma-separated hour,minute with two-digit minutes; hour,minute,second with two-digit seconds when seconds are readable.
5,50
